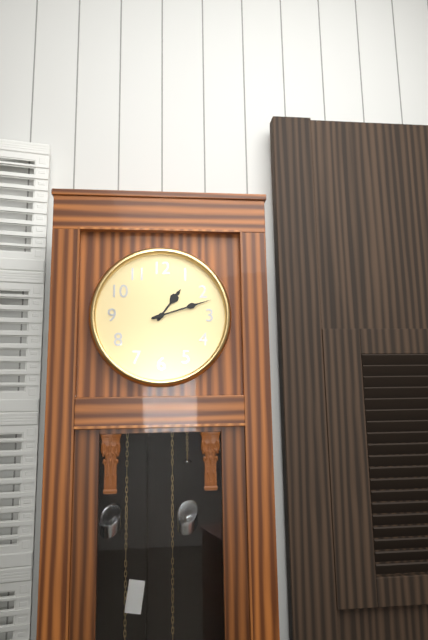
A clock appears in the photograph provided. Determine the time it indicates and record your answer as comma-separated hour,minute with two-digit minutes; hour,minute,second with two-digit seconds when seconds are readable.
1,12
